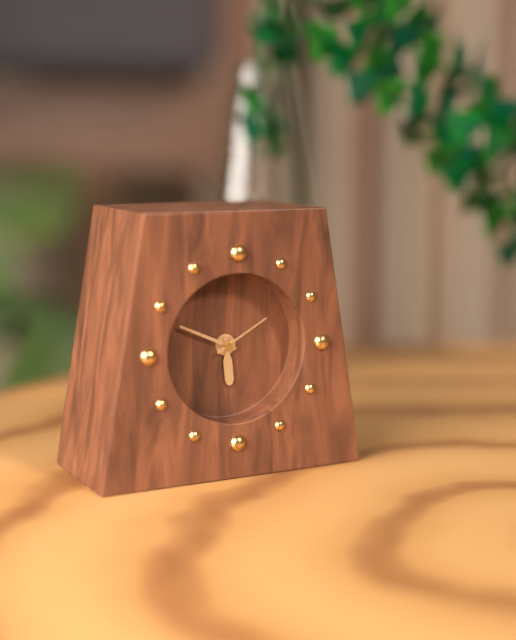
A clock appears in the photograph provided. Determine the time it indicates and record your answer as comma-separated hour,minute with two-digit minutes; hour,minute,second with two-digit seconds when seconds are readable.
5,49,10
